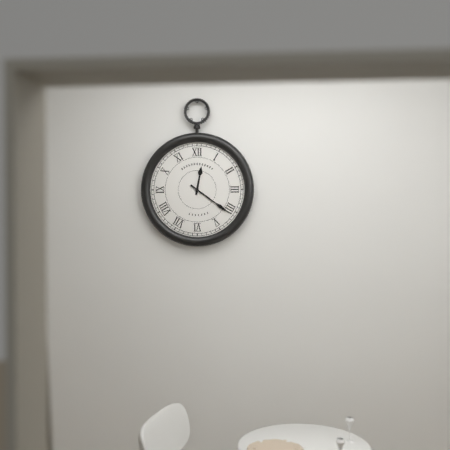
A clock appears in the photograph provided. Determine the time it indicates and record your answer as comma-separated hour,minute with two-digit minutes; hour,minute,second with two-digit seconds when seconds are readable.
12,21
